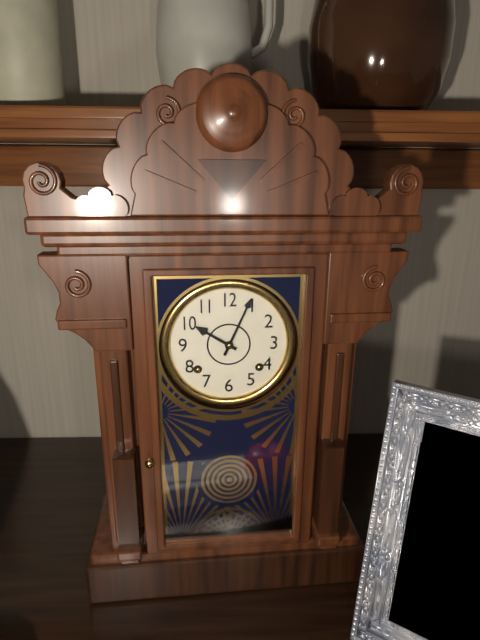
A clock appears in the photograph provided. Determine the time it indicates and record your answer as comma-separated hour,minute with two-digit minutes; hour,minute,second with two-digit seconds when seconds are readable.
10,04
